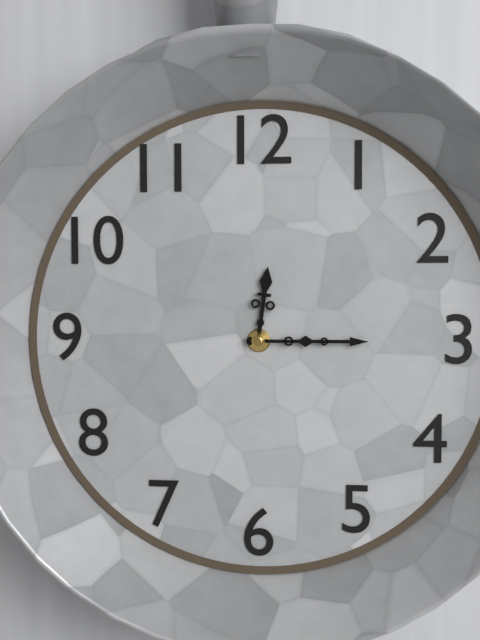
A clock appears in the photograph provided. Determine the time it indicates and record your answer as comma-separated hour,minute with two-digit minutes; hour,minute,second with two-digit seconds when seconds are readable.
12,15
